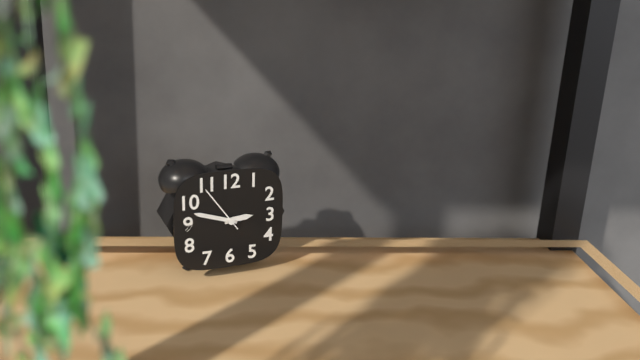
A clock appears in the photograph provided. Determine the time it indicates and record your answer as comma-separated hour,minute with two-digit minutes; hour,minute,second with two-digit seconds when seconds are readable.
2,48,54
